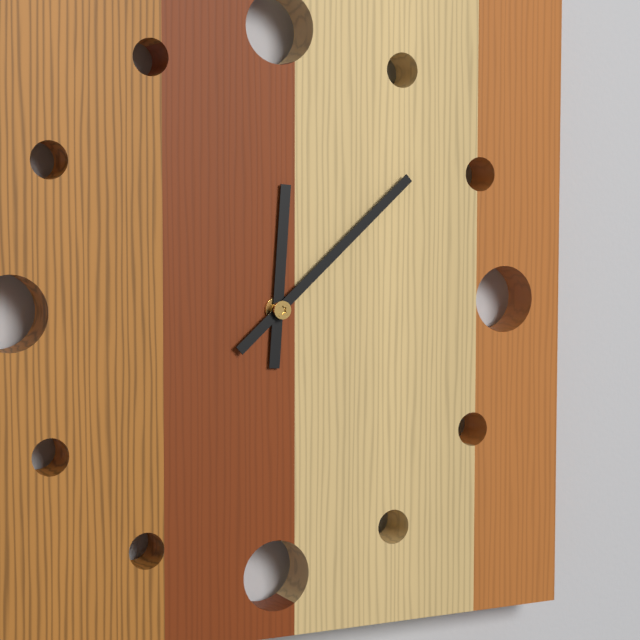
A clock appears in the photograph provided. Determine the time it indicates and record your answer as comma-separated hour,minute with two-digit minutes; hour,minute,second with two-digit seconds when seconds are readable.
12,08
